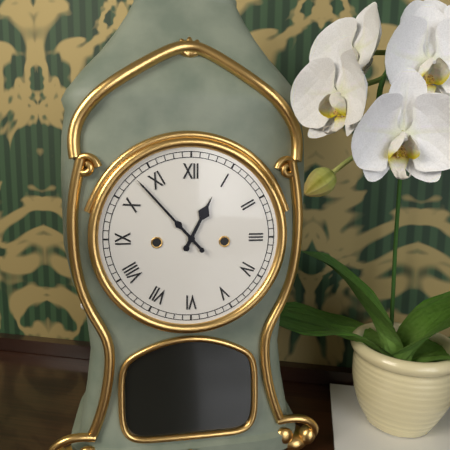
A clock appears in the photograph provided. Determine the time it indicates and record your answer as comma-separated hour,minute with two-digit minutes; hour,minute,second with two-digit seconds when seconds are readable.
12,53
